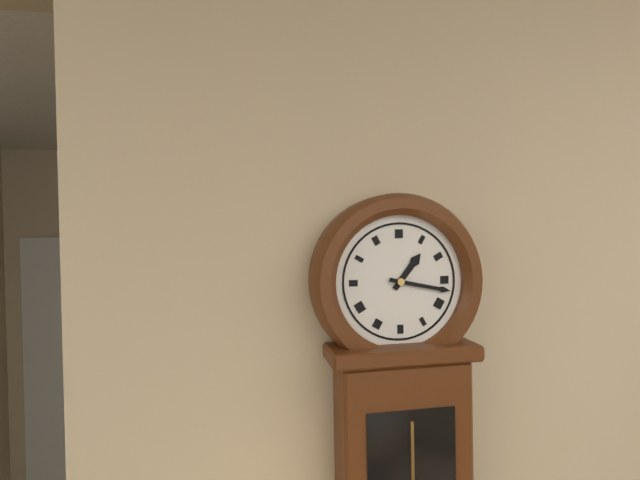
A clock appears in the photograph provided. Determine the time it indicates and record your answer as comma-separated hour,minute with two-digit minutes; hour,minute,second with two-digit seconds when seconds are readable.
1,17
